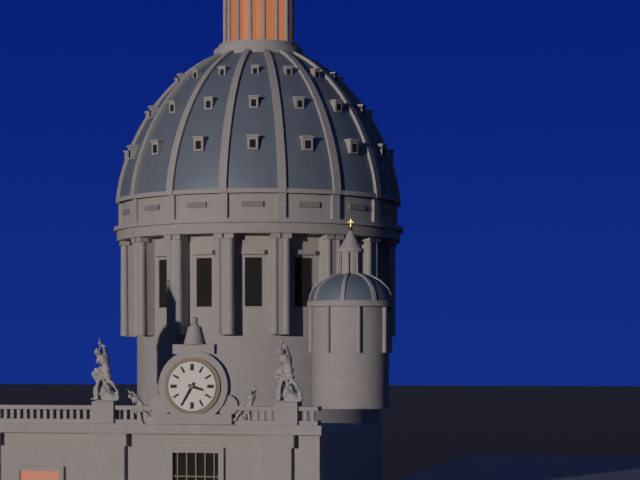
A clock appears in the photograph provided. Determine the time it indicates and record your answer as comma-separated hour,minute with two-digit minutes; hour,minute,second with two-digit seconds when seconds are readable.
3,35
